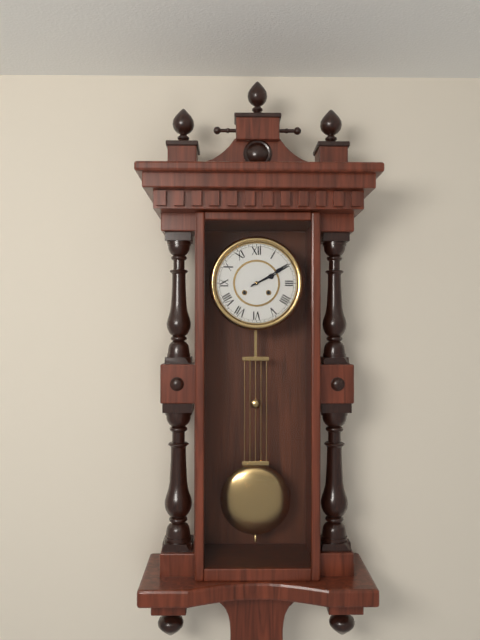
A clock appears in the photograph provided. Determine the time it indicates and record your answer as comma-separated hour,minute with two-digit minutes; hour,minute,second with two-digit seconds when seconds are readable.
2,10
